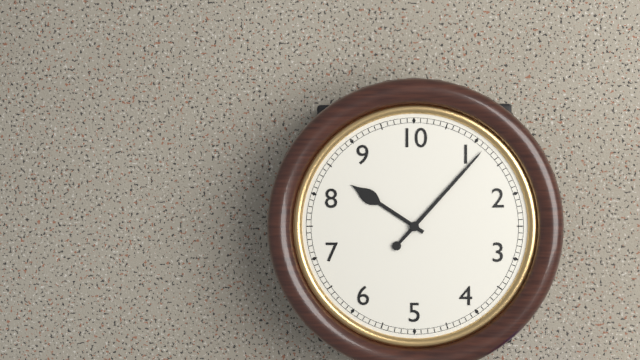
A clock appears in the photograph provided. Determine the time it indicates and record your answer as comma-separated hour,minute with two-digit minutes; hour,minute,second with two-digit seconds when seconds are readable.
10,07
